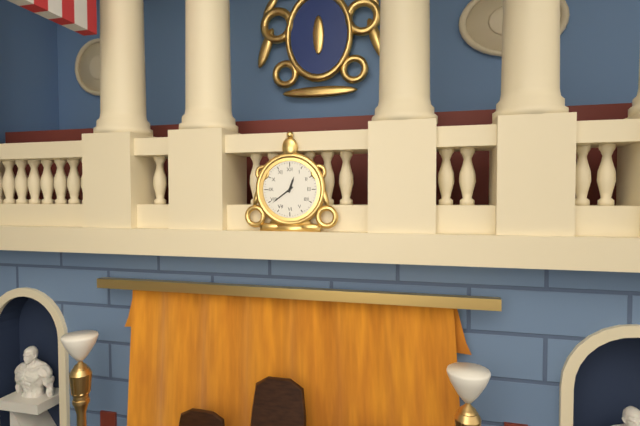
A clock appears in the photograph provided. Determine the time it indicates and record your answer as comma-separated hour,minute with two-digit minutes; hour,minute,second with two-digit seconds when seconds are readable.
12,39
